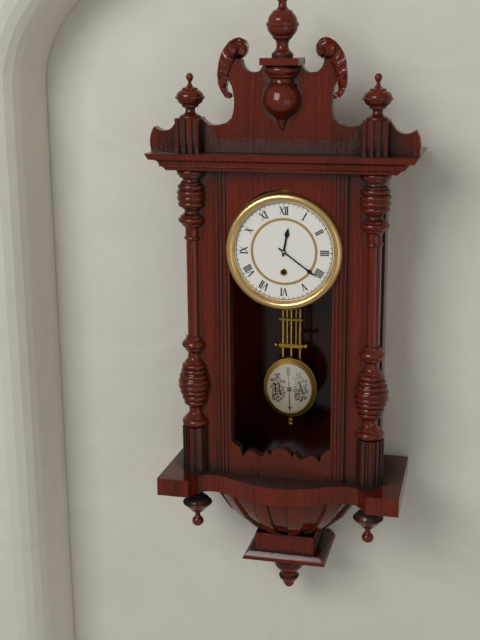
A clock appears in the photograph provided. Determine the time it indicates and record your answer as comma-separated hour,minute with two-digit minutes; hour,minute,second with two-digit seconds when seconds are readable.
12,21
